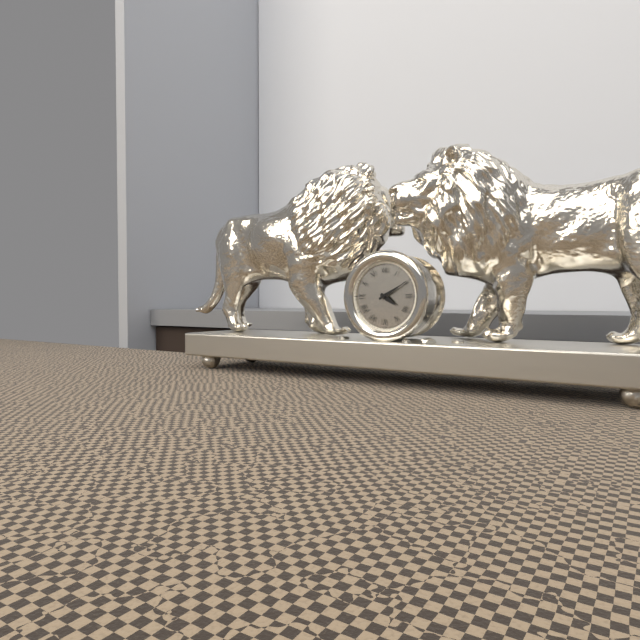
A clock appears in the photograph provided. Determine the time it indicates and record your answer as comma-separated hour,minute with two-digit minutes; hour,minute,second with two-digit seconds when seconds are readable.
4,10
